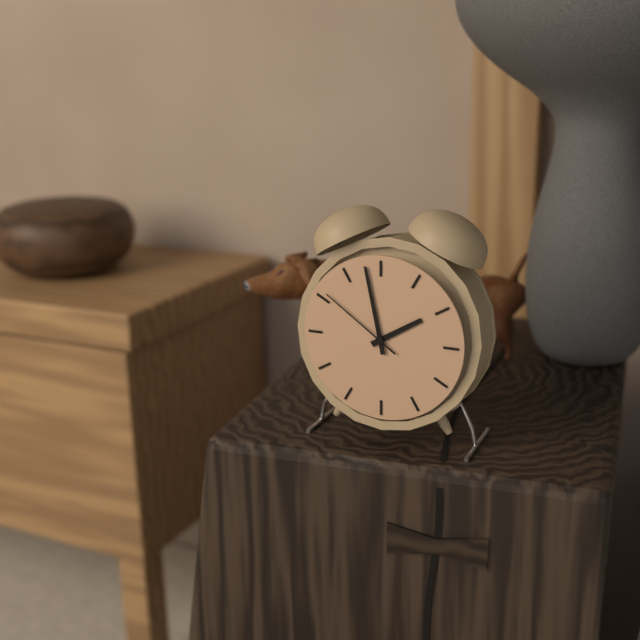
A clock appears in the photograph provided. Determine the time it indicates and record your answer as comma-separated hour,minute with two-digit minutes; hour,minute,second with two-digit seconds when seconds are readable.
1,58,51
